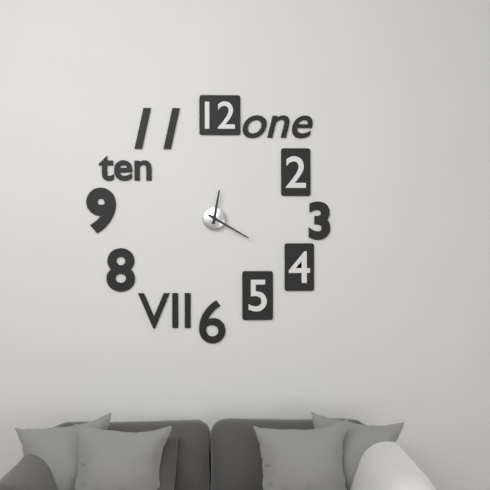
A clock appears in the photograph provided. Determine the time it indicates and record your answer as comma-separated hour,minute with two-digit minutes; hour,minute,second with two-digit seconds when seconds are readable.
12,20
